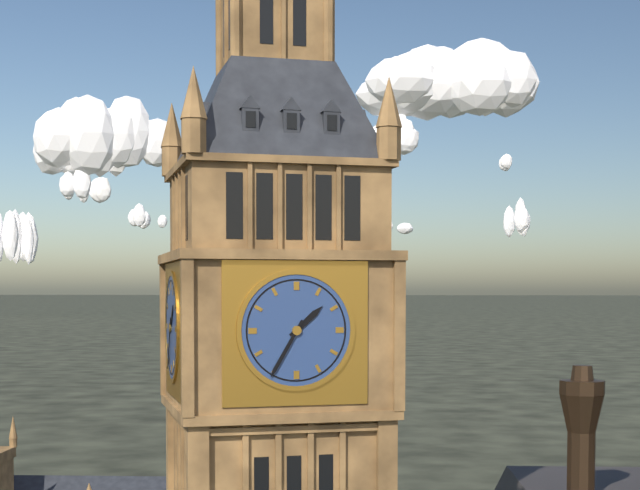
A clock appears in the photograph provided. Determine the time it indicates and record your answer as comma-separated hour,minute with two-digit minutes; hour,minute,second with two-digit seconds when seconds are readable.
1,35
